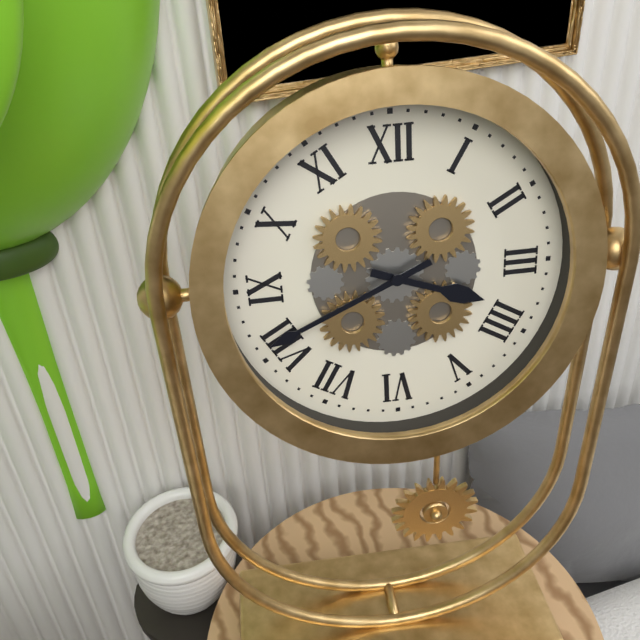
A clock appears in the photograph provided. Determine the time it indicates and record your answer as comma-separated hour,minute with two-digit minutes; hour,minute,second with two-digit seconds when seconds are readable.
3,41
